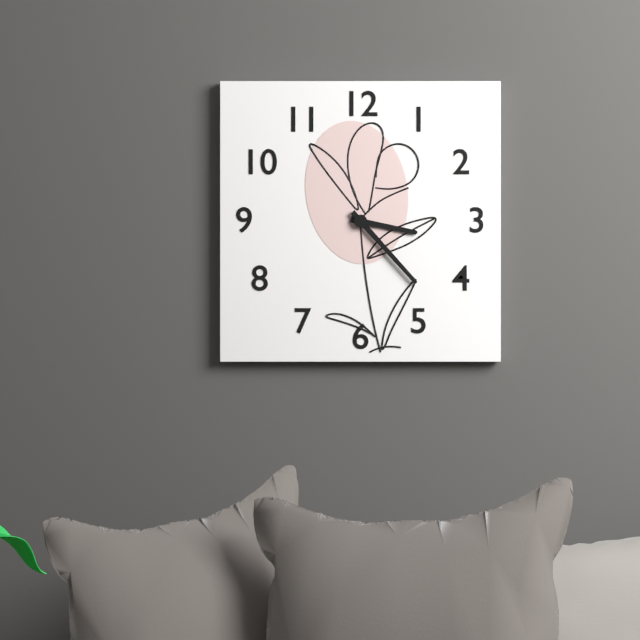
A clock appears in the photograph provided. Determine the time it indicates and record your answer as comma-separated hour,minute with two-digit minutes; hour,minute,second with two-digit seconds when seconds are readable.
3,23
